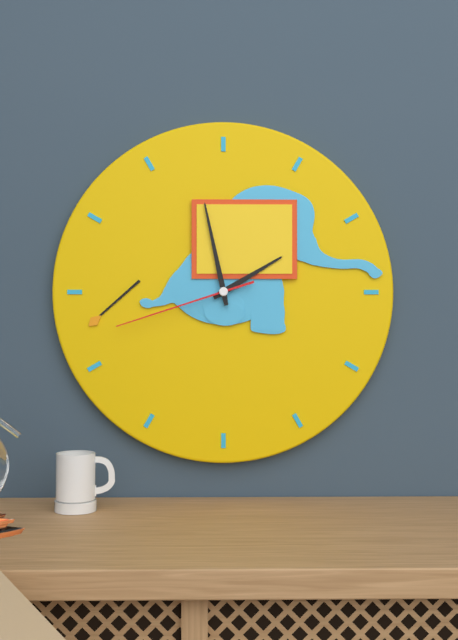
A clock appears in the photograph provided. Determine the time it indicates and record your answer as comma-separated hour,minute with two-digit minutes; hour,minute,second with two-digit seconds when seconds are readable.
1,58,42
